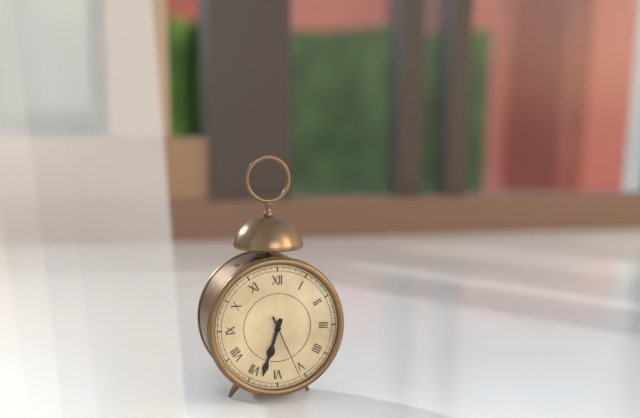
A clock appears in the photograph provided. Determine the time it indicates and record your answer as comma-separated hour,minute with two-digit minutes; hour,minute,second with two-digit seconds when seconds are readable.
6,33,26
